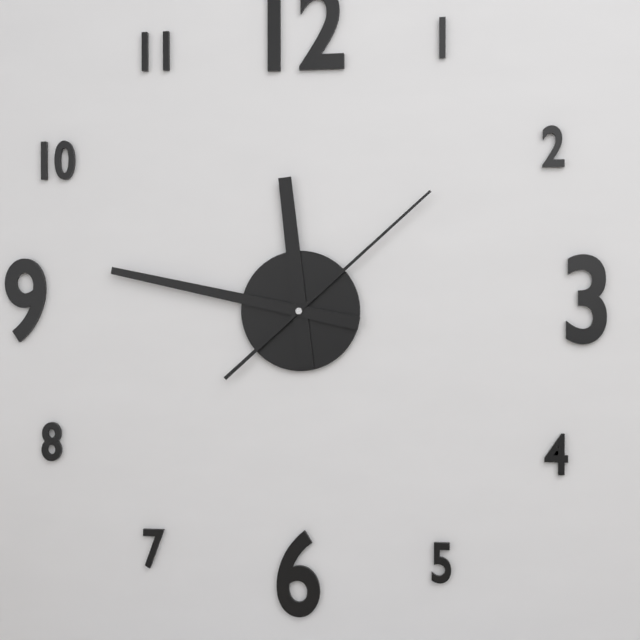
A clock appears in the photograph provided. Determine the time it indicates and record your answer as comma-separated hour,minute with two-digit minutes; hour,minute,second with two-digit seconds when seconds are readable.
11,47,08
